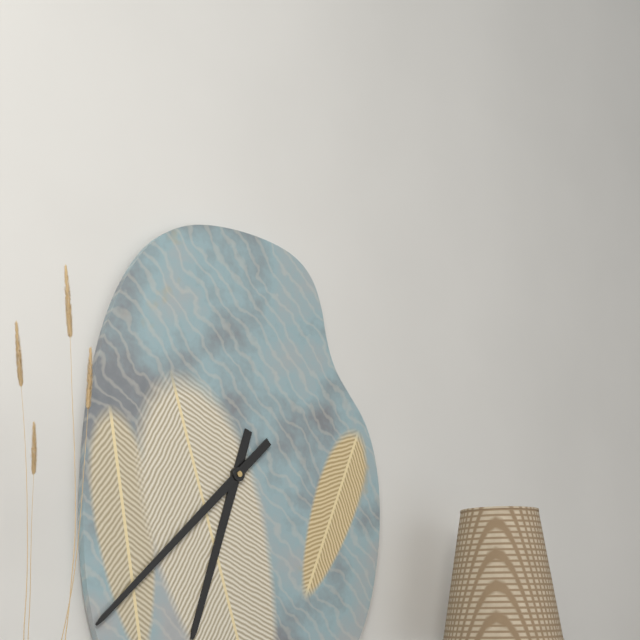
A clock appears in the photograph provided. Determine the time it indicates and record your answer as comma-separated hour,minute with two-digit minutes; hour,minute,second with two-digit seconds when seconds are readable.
6,38
